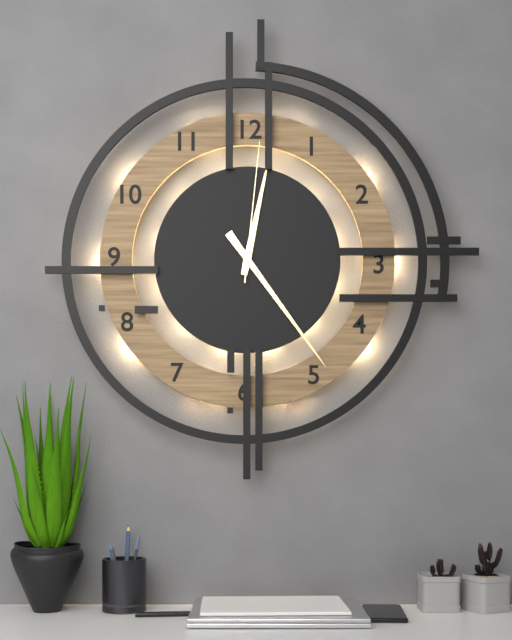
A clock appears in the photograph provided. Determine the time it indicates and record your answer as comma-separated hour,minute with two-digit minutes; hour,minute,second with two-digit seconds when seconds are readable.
12,24,01
